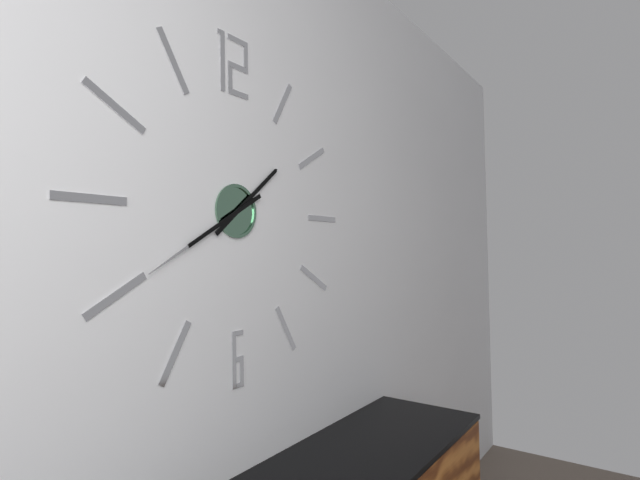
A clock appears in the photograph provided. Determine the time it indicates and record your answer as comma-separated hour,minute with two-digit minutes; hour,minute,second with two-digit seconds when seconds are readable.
1,40
